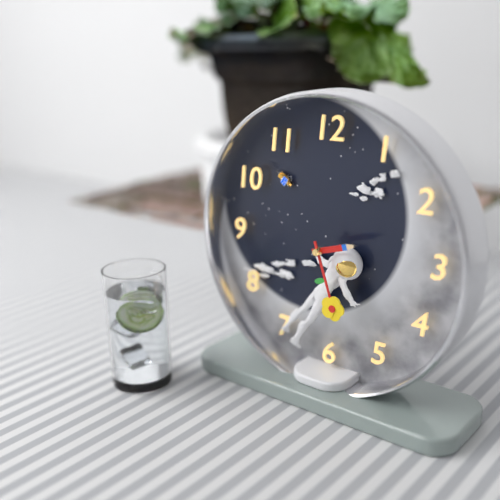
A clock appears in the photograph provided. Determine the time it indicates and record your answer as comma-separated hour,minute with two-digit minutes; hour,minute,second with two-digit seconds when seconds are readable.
2,27
